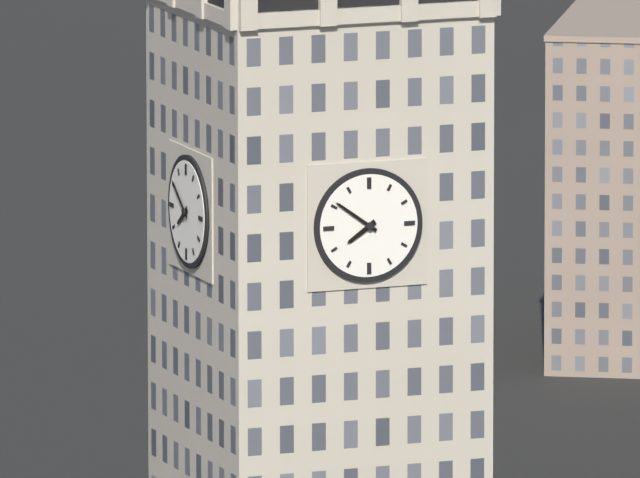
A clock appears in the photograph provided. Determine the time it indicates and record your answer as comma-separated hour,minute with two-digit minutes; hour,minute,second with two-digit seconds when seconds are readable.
7,51
